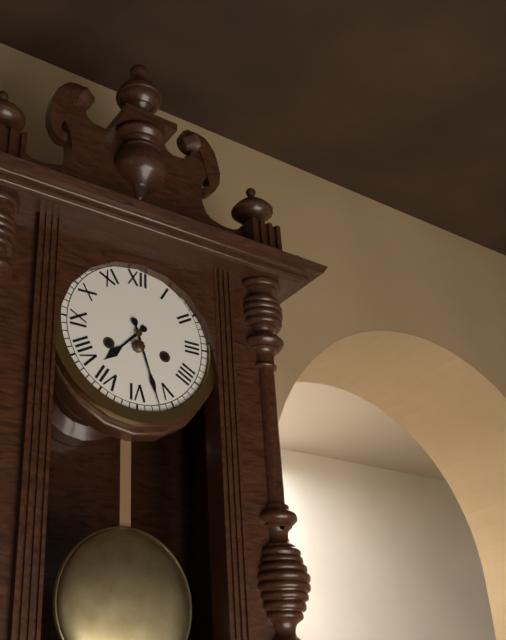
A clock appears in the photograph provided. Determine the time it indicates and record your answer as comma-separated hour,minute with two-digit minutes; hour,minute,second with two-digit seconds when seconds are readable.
7,27
